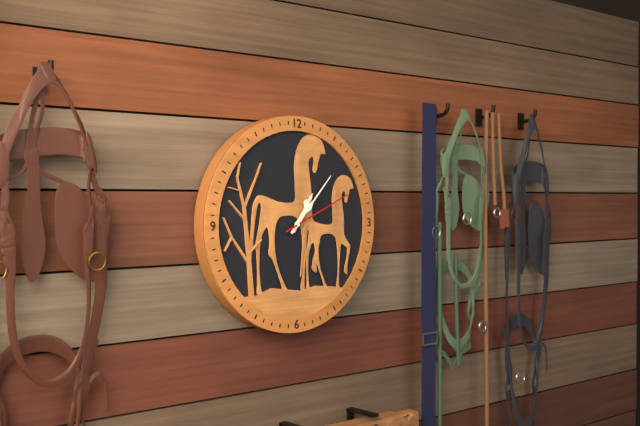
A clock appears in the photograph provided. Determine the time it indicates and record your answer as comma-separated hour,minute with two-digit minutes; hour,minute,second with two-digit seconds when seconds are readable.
1,07,11
